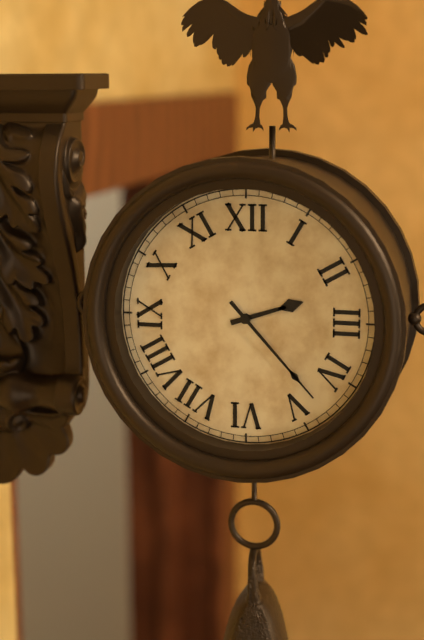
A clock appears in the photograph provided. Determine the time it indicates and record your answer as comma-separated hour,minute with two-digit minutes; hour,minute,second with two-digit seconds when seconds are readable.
2,23
